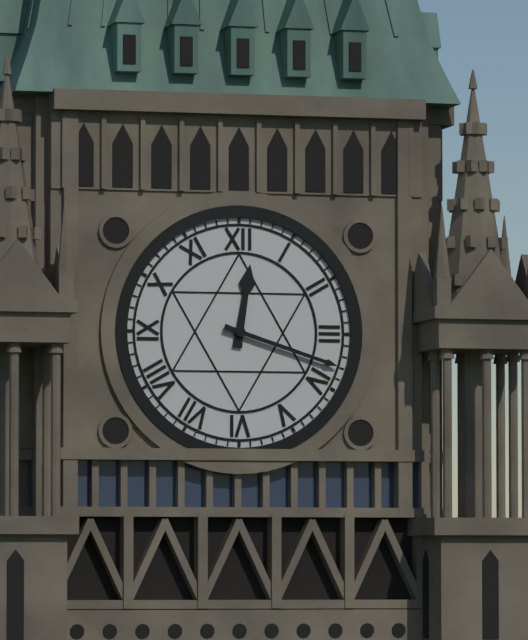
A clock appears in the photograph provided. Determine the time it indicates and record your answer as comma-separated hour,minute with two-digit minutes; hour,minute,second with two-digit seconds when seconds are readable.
12,18
